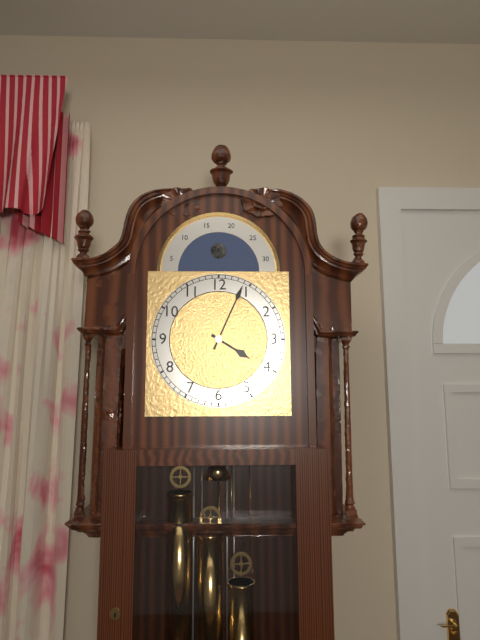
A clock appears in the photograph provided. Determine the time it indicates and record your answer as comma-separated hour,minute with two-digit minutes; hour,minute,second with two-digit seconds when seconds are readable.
4,04
